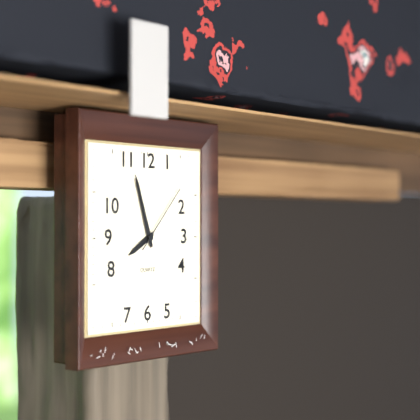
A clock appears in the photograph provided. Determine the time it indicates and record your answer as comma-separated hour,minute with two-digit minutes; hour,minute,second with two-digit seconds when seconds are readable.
7,57,07
